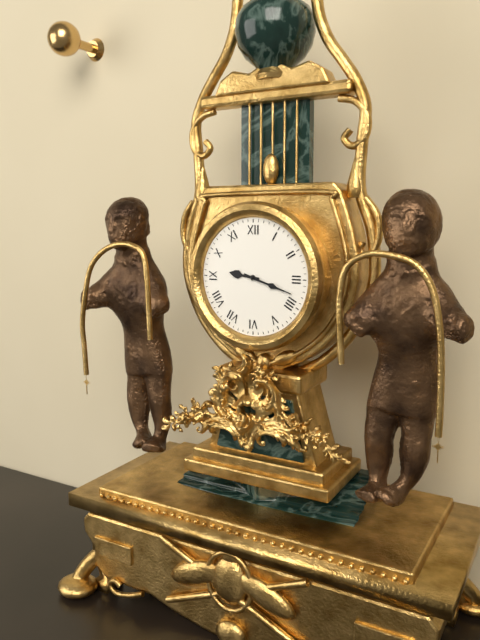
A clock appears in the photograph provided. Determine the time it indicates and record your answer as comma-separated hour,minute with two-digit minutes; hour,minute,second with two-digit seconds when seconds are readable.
9,18
